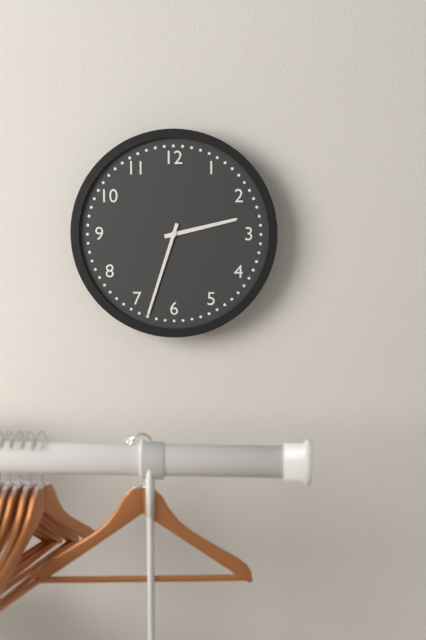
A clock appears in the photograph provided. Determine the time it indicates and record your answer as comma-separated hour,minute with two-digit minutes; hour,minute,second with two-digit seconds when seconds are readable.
2,33
